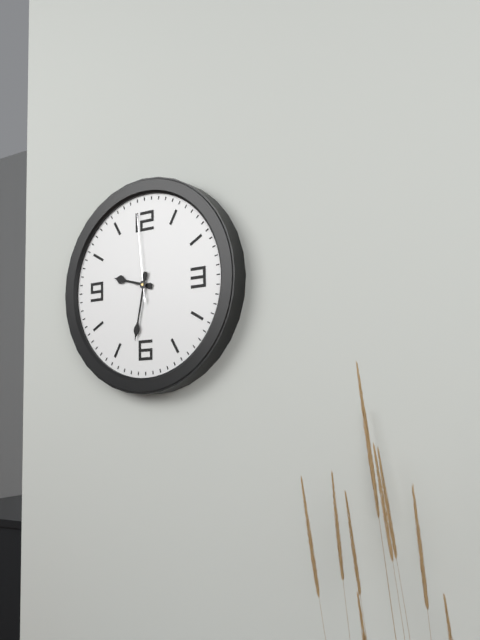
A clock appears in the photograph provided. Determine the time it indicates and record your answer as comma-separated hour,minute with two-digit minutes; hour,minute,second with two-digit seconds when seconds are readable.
9,32,59
